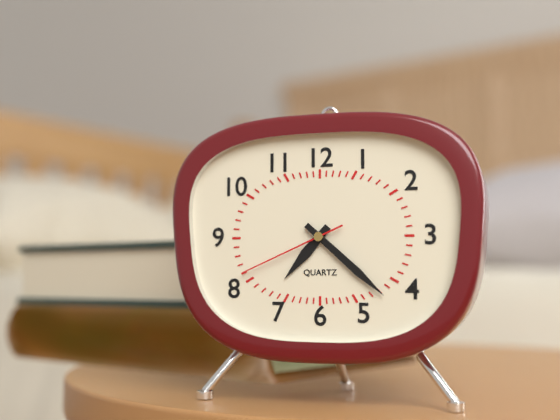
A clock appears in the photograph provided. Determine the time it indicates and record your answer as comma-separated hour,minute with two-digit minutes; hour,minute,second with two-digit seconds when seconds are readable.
7,22,41
